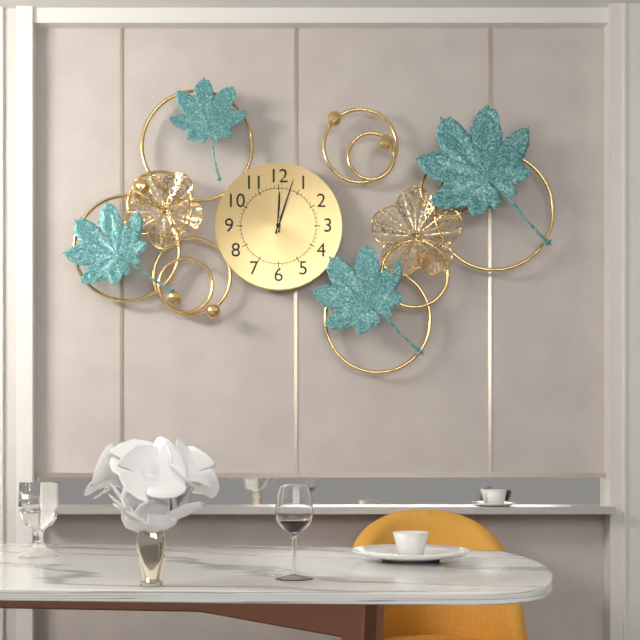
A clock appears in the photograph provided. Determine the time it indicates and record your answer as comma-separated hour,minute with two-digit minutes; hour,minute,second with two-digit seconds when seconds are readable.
12,03,01
